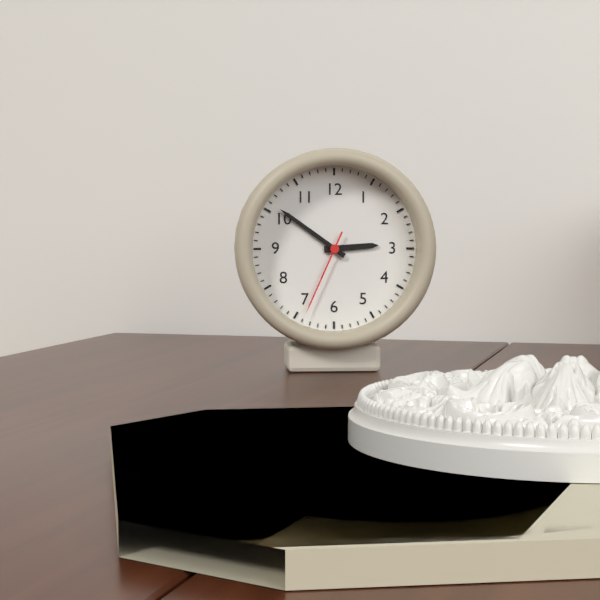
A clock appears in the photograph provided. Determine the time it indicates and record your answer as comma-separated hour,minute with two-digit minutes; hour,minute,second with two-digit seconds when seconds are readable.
2,51,34
